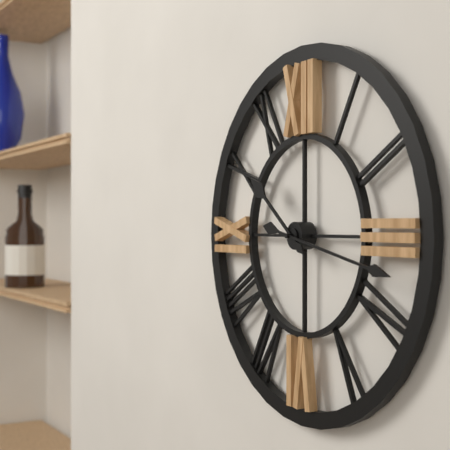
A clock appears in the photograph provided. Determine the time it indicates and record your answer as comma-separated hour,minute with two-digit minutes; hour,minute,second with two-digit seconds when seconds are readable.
10,17
